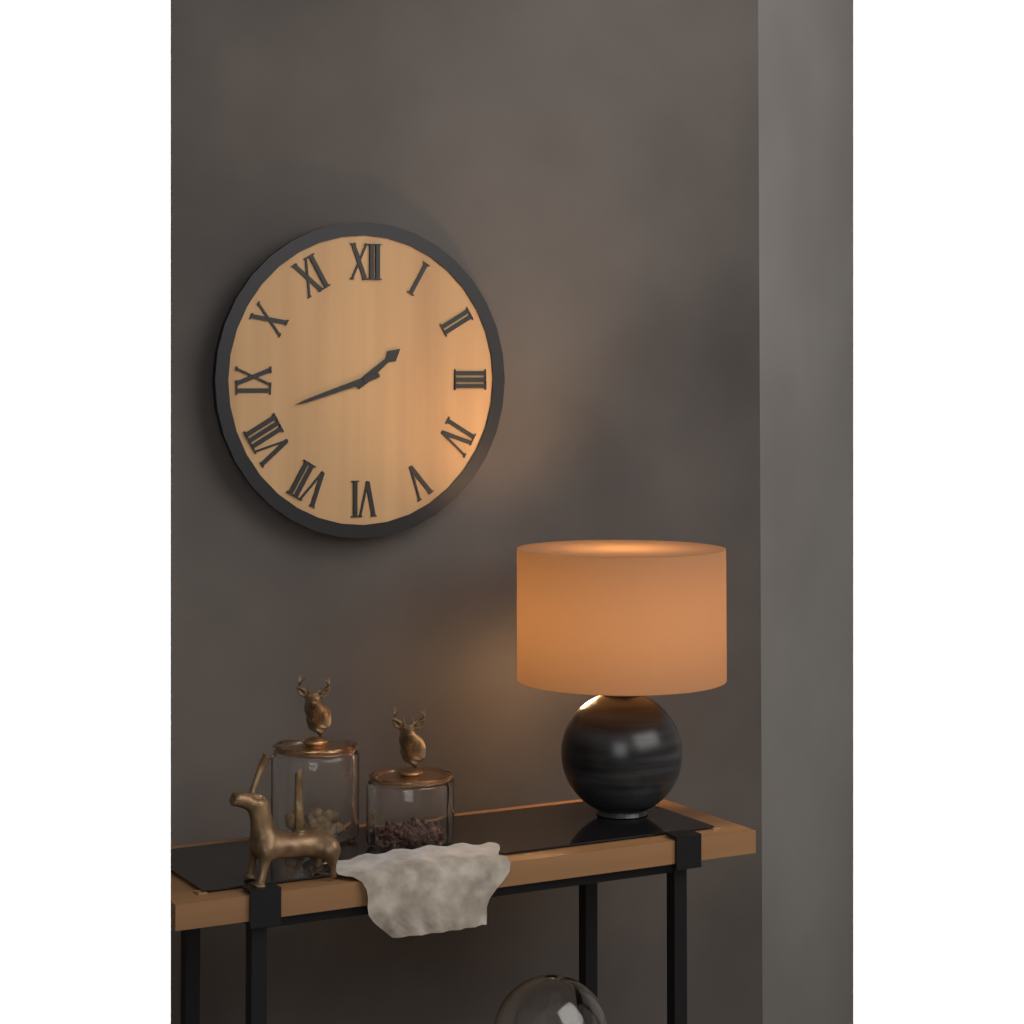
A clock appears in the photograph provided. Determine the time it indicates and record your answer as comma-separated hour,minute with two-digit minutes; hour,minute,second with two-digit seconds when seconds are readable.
1,42
